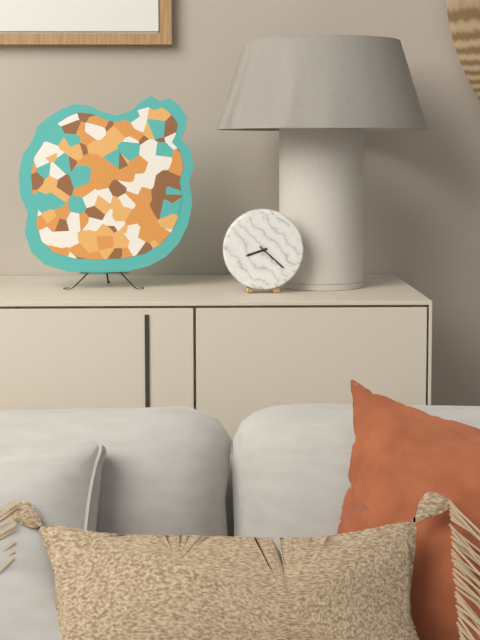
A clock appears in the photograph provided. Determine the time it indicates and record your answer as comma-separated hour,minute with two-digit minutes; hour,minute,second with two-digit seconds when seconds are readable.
8,22
